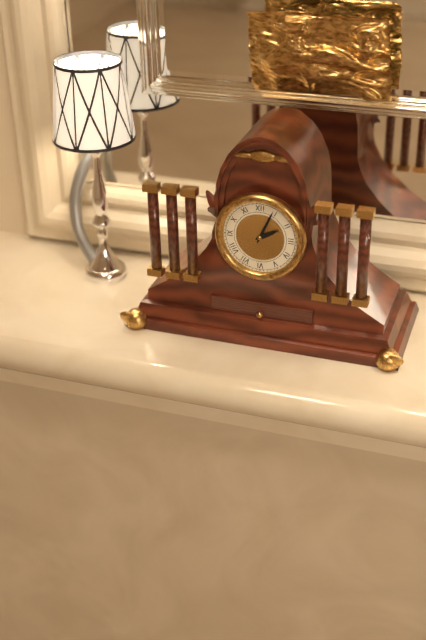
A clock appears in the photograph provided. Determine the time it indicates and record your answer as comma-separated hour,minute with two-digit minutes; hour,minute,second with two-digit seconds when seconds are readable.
2,04
